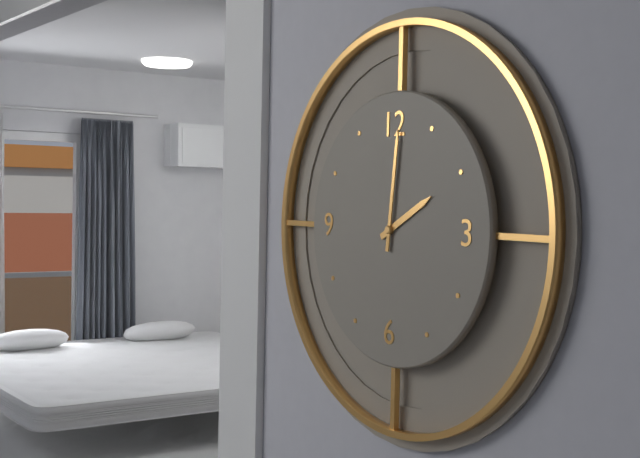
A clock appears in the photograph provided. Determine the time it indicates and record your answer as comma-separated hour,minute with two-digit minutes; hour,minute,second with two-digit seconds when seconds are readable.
2,01
